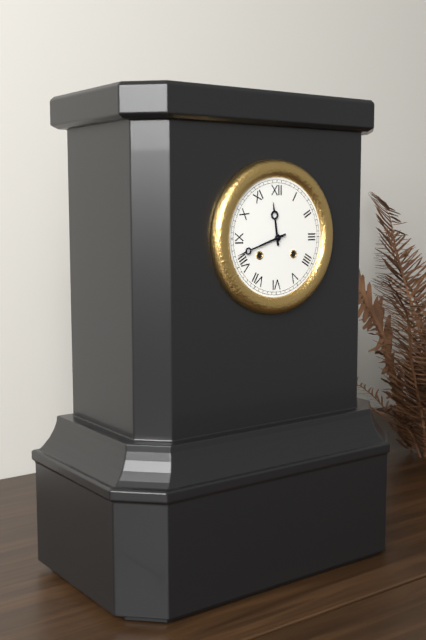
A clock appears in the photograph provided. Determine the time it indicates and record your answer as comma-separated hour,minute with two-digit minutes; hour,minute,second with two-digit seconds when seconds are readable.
11,42
